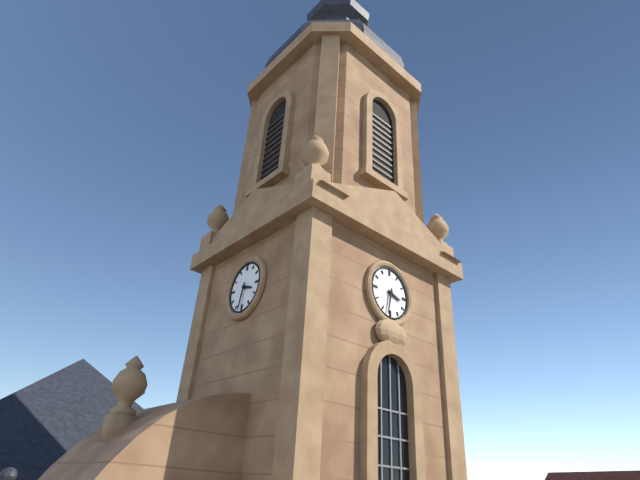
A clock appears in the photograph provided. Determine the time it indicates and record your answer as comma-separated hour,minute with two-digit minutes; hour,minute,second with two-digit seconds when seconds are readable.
3,32
